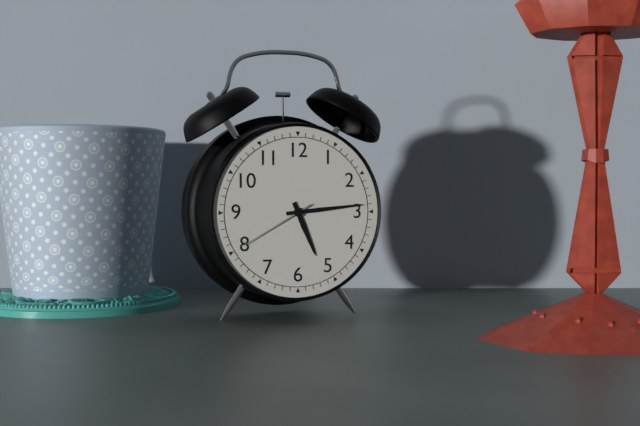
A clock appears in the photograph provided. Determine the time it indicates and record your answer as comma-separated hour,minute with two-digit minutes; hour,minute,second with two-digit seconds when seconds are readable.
5,14,40
